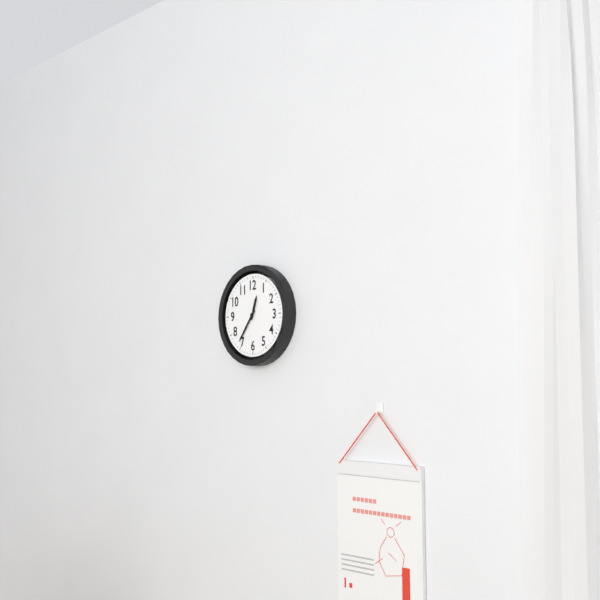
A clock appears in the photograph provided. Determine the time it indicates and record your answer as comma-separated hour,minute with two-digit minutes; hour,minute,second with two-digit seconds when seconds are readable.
12,36
